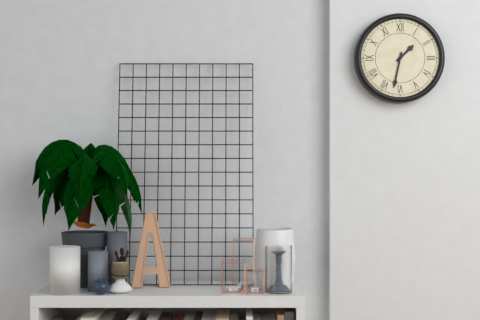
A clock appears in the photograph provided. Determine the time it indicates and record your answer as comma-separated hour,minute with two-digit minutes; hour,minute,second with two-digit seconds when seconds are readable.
1,32
